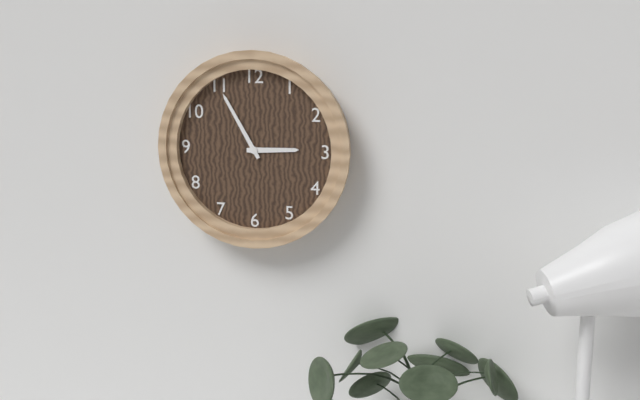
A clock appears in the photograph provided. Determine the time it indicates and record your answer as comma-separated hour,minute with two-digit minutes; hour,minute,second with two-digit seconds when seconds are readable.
2,55
